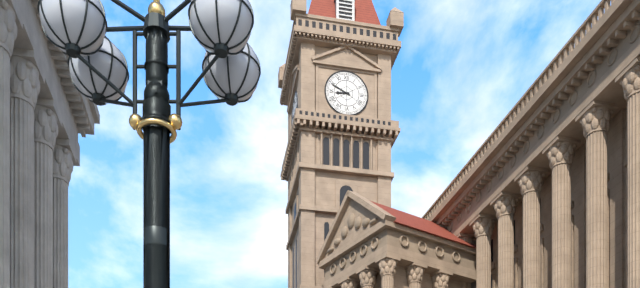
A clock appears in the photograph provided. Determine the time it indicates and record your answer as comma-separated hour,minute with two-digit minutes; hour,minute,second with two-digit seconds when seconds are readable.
8,49
